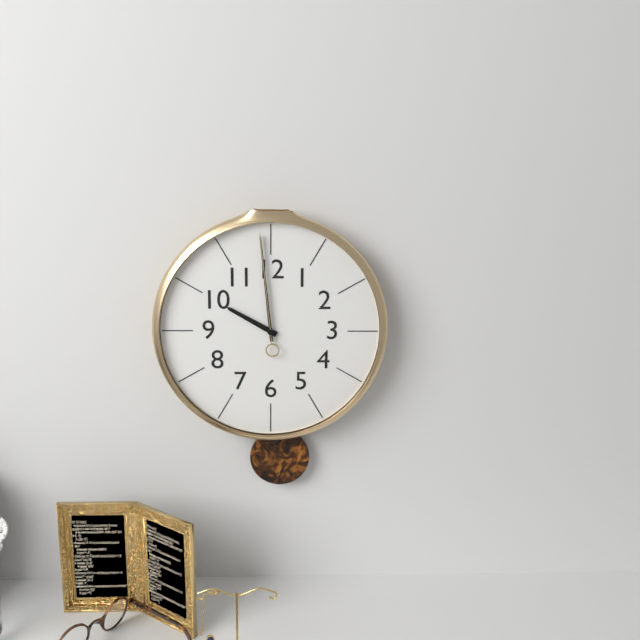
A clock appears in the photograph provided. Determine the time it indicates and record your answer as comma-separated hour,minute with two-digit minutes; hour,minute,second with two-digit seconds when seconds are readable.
9,59,59
